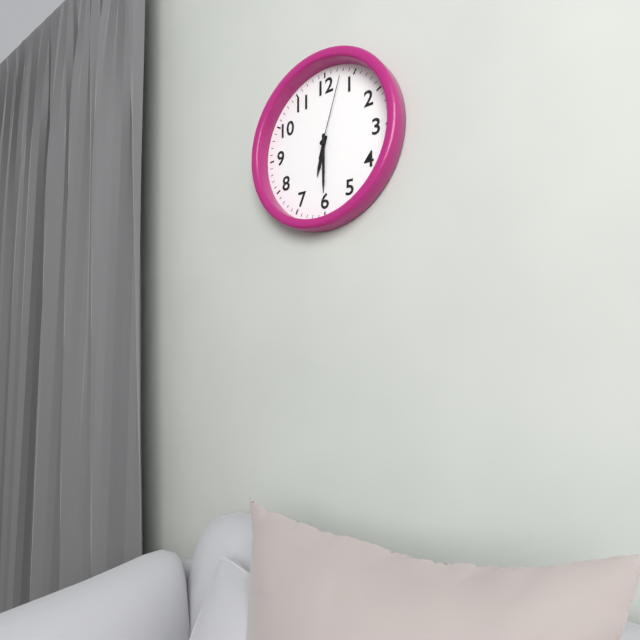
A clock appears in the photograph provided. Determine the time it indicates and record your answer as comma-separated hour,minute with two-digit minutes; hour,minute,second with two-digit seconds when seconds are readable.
6,30,03
